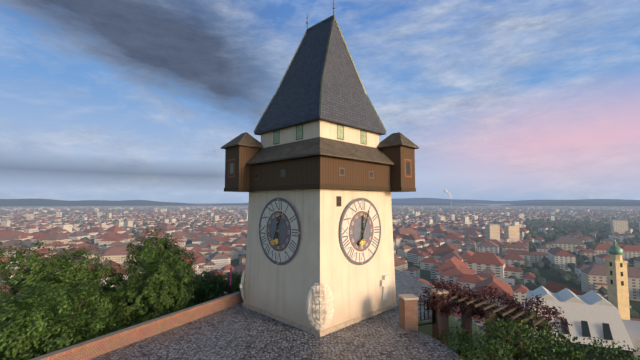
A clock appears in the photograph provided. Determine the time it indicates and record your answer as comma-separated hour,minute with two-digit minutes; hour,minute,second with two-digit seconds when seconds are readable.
12,04
